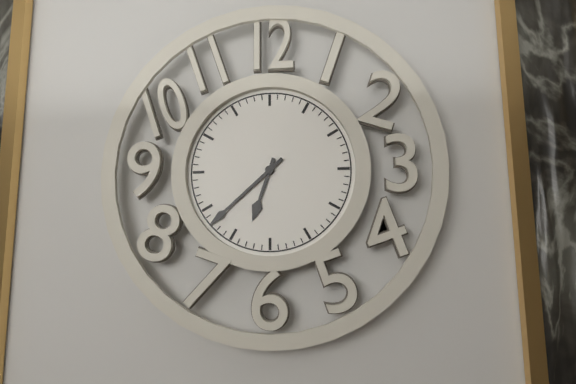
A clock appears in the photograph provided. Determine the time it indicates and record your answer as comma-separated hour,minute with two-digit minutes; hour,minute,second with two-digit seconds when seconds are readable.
6,38
